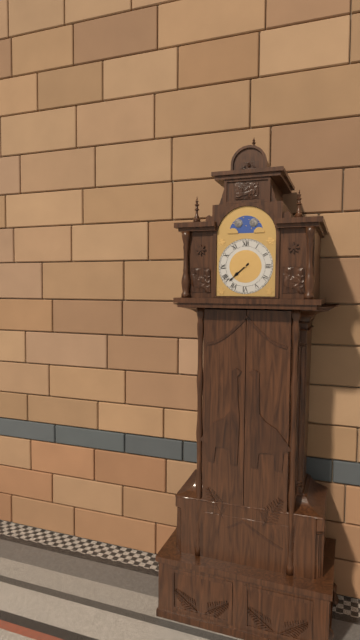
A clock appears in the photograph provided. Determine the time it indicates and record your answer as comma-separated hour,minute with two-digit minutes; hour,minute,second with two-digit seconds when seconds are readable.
7,38
